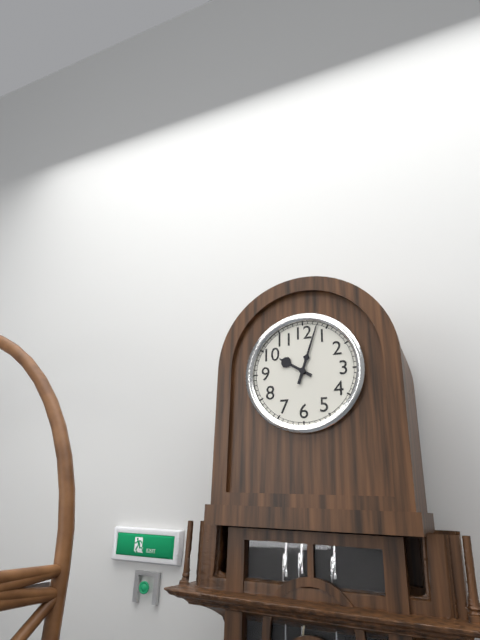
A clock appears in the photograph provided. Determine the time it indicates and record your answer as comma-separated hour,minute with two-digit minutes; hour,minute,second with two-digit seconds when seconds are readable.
10,03
